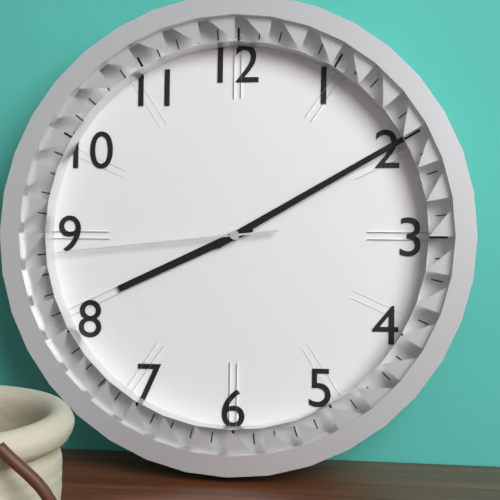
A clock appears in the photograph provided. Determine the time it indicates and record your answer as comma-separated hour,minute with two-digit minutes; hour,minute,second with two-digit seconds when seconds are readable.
8,10,44
